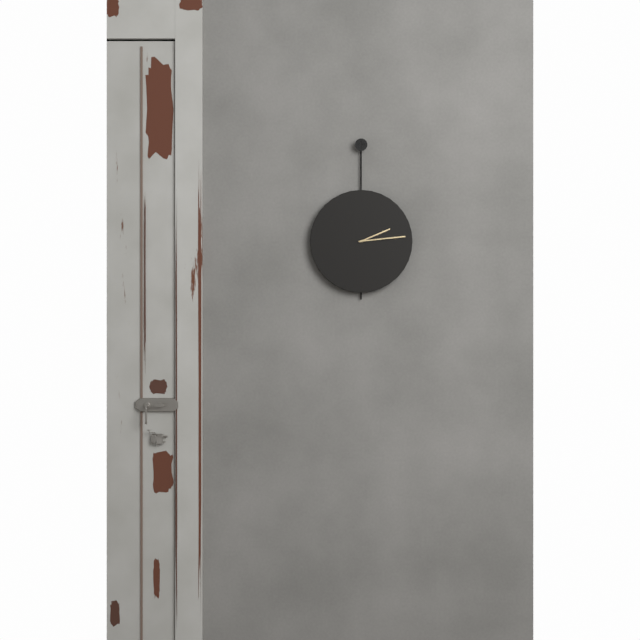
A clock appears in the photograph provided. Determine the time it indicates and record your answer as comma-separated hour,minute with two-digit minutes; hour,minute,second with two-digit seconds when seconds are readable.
2,14
